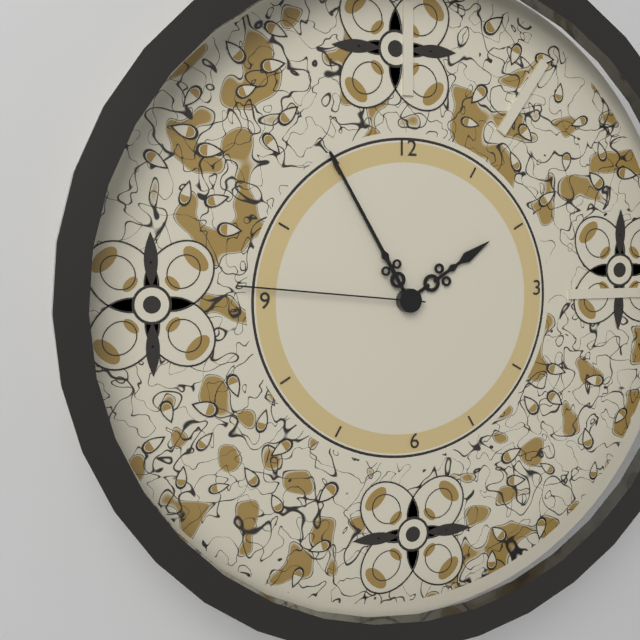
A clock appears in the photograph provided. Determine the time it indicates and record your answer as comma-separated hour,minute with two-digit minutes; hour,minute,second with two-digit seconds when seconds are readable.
1,55,46
